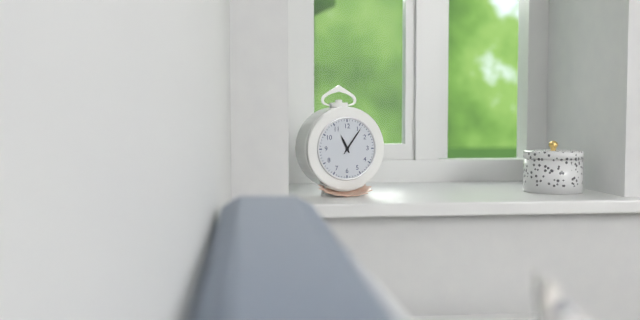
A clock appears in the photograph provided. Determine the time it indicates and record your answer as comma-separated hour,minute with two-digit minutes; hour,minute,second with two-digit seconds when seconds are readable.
11,06
